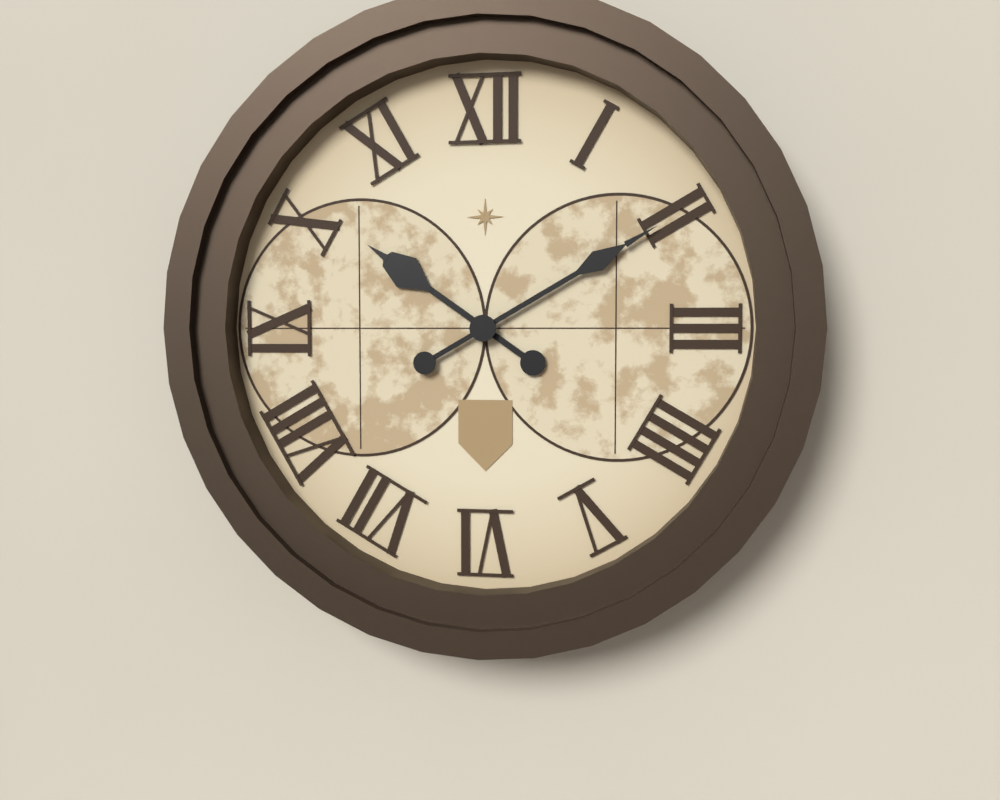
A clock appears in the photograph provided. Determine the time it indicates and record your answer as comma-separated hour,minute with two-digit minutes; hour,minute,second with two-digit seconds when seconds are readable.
10,10
